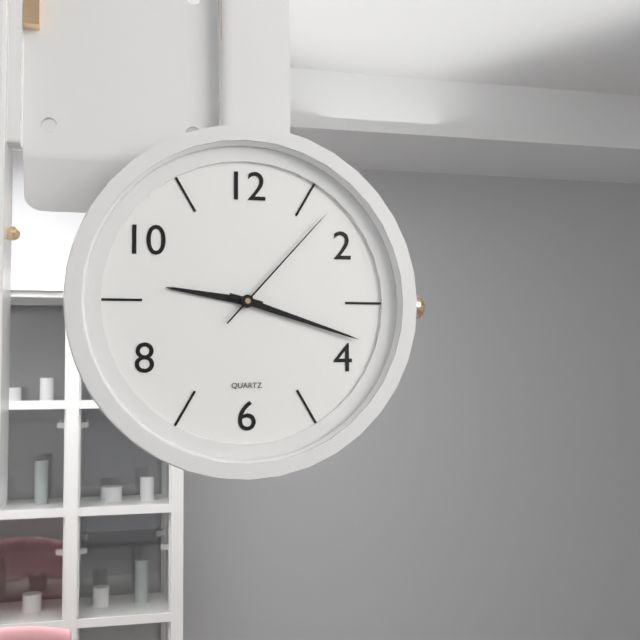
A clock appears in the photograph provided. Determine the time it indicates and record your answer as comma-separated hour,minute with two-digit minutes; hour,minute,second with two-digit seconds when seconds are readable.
9,18,07
